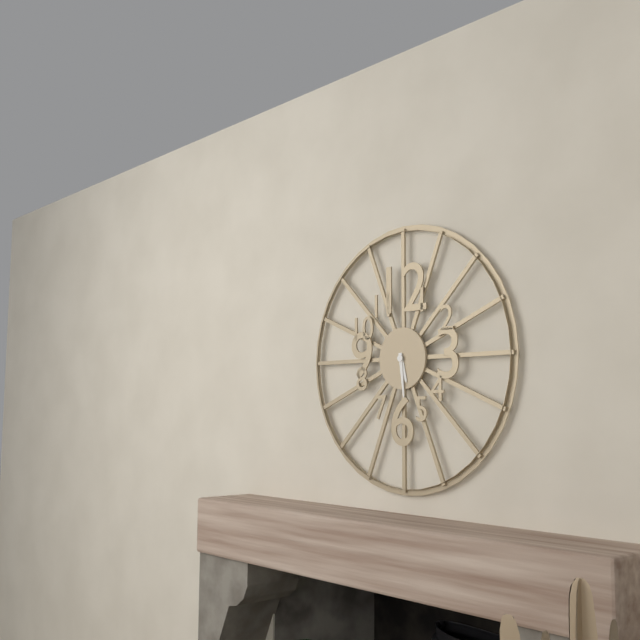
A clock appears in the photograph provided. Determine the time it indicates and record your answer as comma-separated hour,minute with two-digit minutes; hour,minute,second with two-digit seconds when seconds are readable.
5,29
